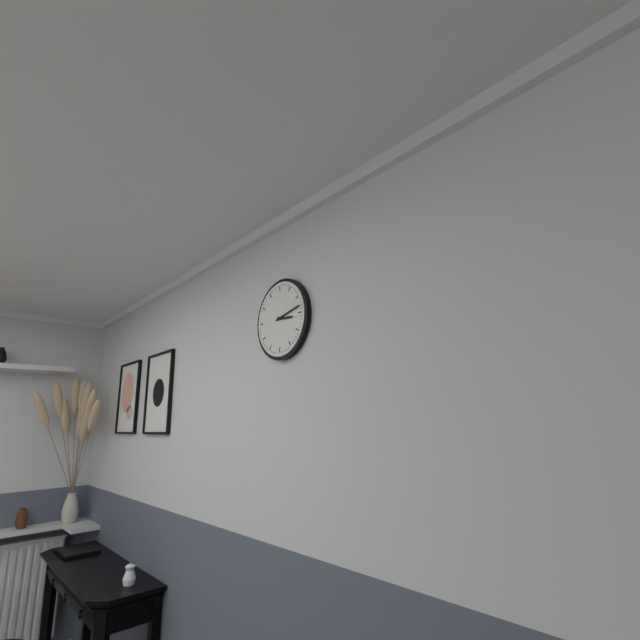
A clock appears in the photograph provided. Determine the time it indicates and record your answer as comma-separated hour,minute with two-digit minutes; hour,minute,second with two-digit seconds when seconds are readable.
3,13
